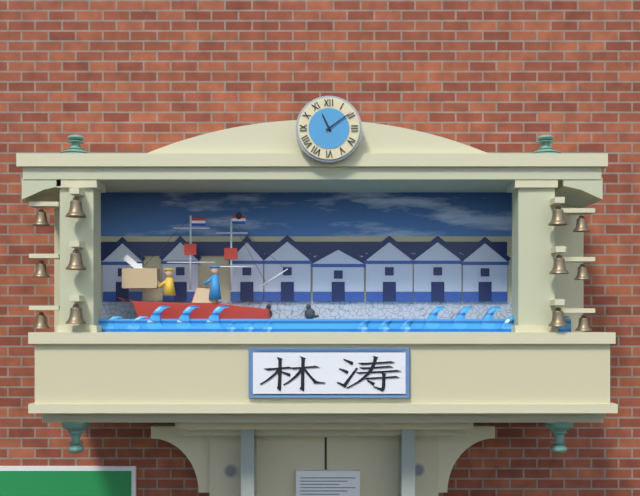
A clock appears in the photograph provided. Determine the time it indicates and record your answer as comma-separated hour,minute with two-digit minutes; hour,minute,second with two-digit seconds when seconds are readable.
11,09
